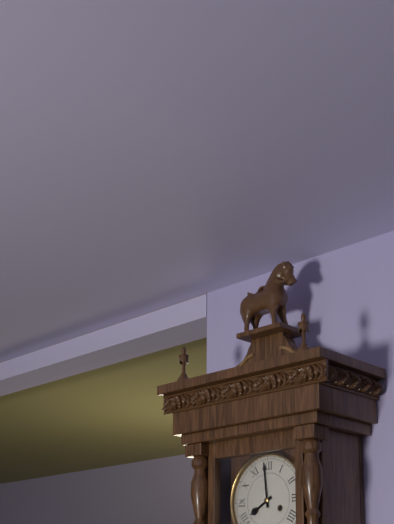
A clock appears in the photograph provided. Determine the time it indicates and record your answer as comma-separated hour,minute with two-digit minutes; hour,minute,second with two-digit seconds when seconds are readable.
7,59
